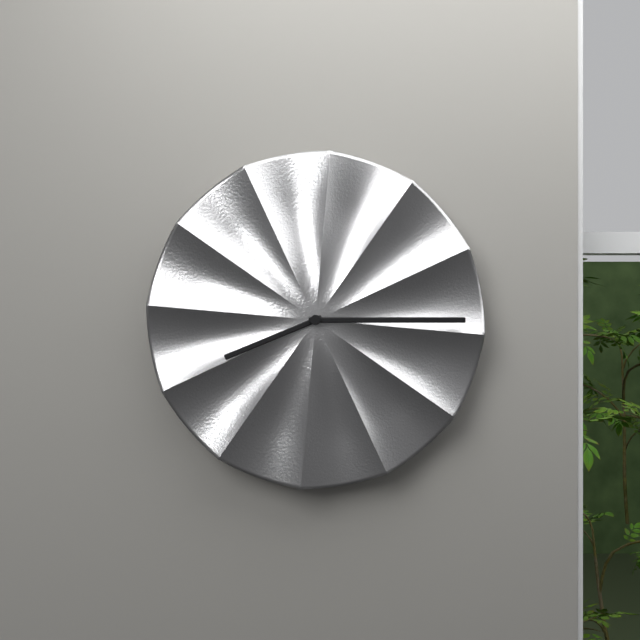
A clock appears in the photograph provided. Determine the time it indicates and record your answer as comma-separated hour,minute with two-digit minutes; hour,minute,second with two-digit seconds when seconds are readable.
8,15
